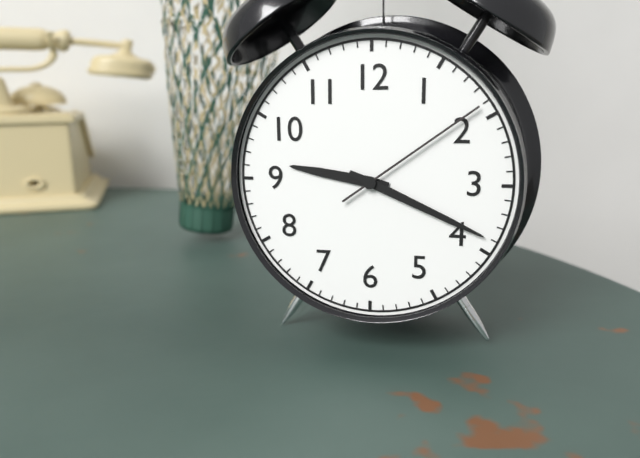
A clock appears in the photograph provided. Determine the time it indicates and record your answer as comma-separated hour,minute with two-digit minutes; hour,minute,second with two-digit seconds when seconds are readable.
9,19,09
